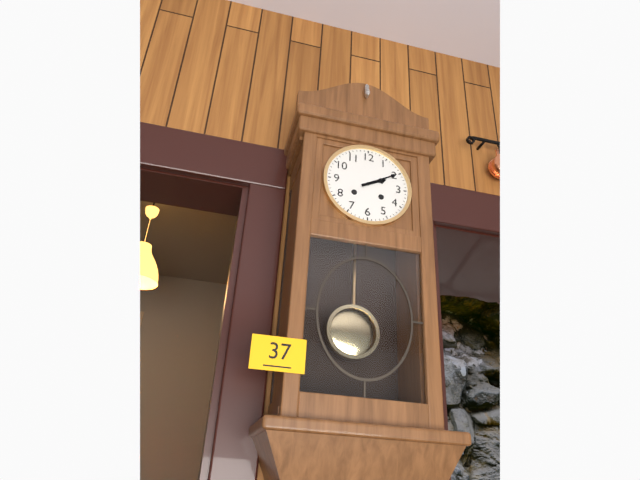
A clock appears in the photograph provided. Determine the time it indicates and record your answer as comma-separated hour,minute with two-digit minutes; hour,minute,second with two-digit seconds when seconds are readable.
2,10
